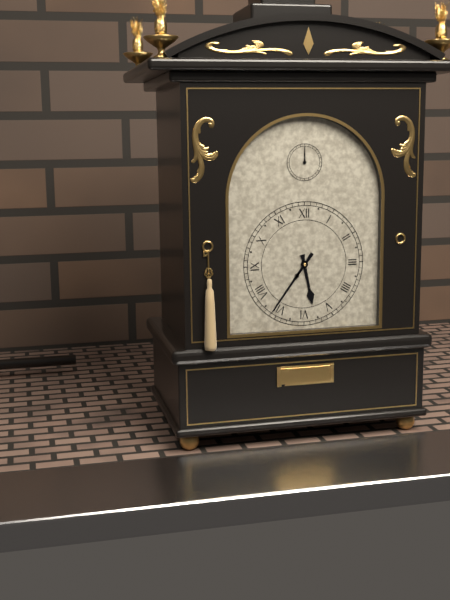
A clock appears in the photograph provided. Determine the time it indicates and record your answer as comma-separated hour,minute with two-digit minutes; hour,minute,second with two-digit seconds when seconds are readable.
5,36
